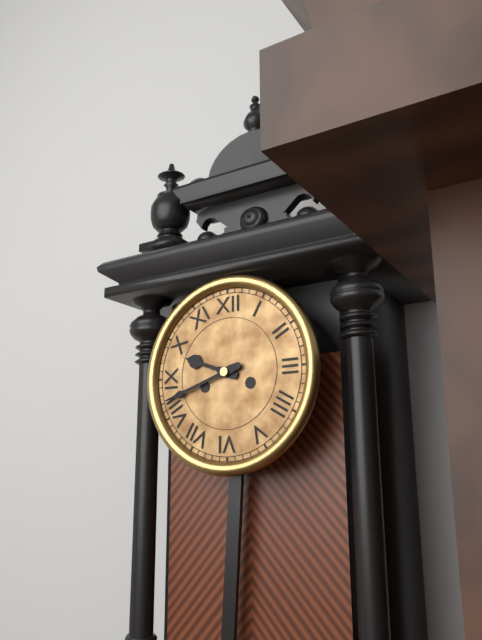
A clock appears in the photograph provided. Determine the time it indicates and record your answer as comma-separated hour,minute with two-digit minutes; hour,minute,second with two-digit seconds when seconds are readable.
9,42
